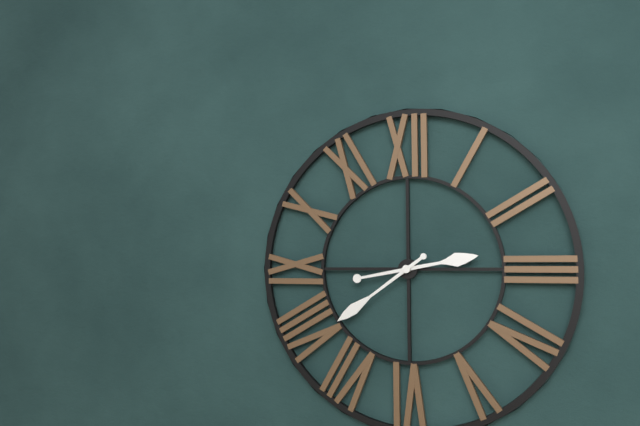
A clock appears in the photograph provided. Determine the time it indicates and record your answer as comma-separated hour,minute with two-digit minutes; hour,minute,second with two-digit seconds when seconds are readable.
2,39
